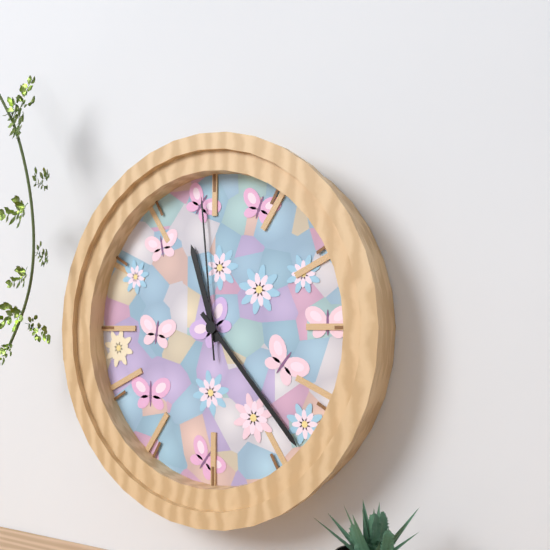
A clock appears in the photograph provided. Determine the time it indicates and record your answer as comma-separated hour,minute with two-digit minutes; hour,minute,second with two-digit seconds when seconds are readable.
11,23,59
